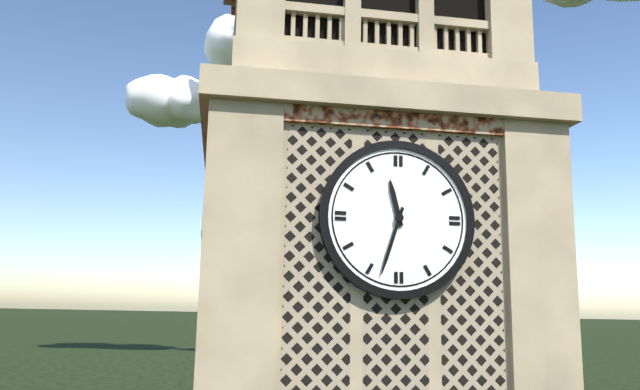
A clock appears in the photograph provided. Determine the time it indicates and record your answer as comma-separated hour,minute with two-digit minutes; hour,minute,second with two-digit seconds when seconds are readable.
11,33
